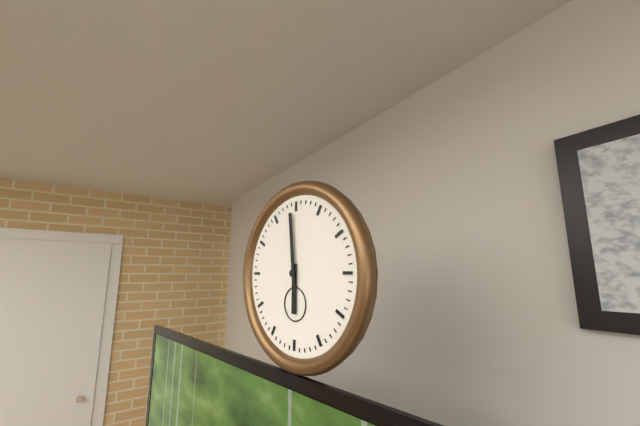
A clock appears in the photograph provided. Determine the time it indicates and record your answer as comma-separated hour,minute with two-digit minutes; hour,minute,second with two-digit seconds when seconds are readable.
5,59
